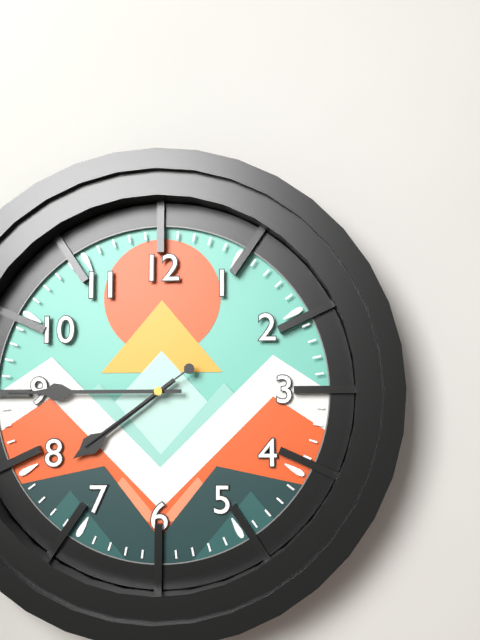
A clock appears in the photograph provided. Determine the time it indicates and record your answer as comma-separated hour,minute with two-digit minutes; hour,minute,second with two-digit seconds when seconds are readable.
7,45,39
